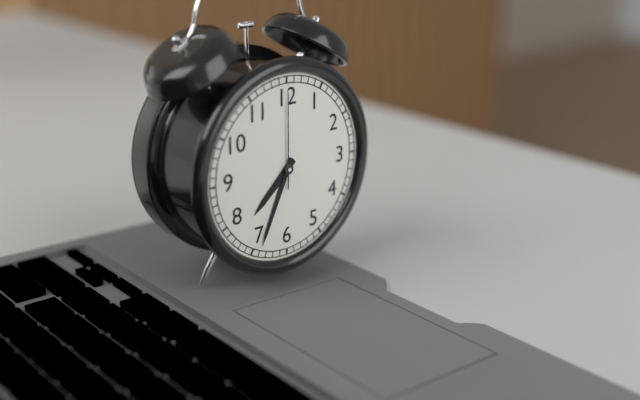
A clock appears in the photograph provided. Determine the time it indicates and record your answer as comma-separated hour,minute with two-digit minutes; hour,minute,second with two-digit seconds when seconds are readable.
7,34,00
